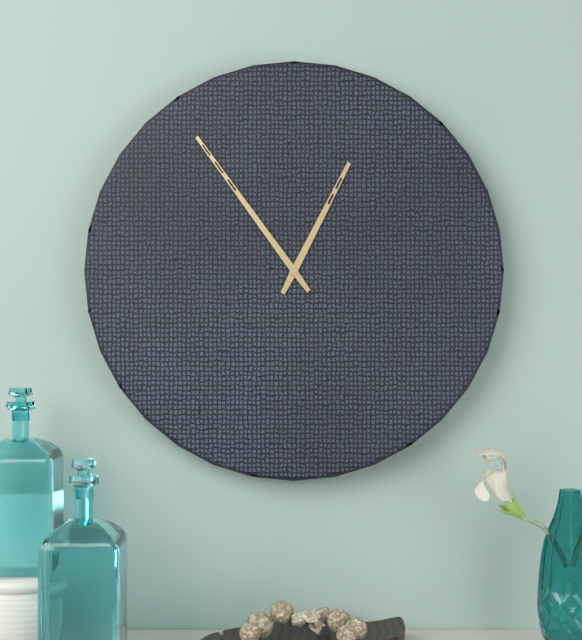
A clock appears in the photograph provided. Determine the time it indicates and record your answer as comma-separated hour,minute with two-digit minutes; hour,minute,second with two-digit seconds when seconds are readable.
12,54
